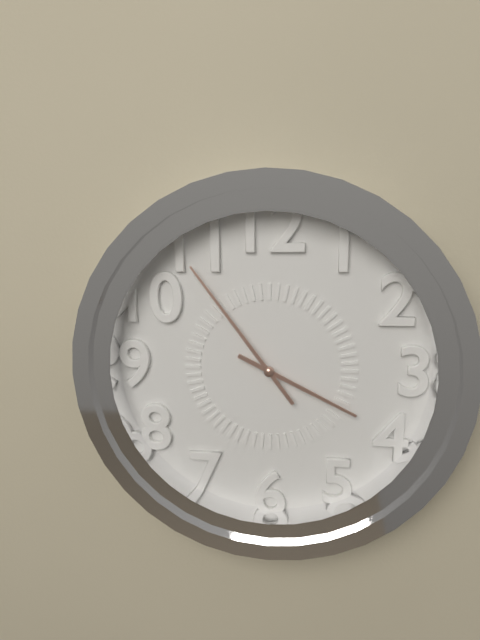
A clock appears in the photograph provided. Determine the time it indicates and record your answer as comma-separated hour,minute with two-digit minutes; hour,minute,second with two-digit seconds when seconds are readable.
3,54
